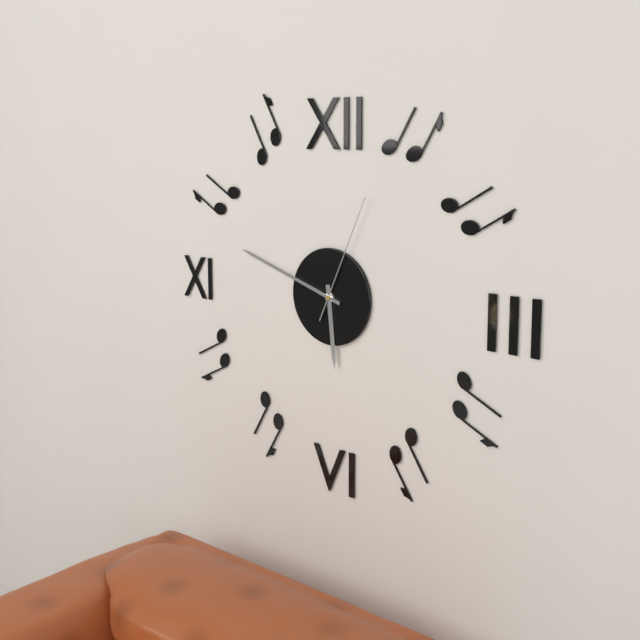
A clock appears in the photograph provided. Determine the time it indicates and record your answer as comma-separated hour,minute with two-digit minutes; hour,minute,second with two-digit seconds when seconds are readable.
5,48,04
